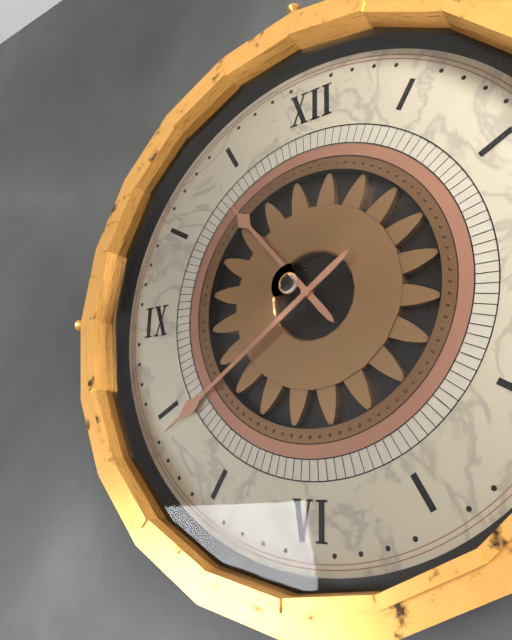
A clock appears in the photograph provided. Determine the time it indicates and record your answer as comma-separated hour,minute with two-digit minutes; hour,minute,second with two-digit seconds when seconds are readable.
10,39
